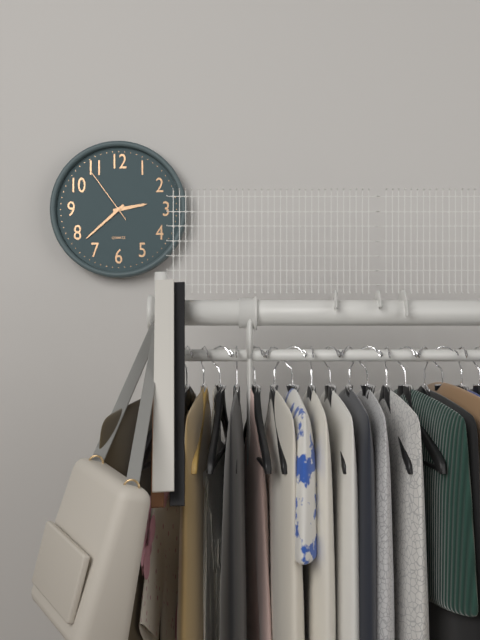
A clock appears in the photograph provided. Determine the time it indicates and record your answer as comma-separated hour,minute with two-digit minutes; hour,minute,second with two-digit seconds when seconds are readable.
2,38,54
